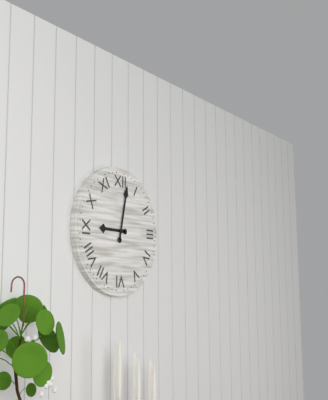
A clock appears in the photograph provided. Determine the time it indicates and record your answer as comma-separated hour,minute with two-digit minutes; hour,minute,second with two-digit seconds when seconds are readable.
9,02
